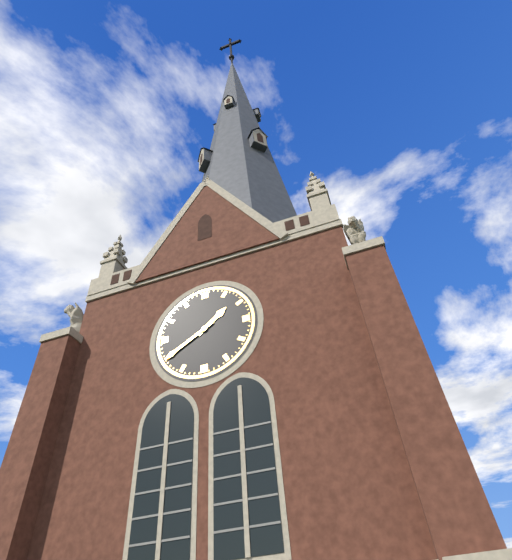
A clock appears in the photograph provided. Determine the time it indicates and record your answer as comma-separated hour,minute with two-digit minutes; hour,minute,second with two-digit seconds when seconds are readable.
1,40
